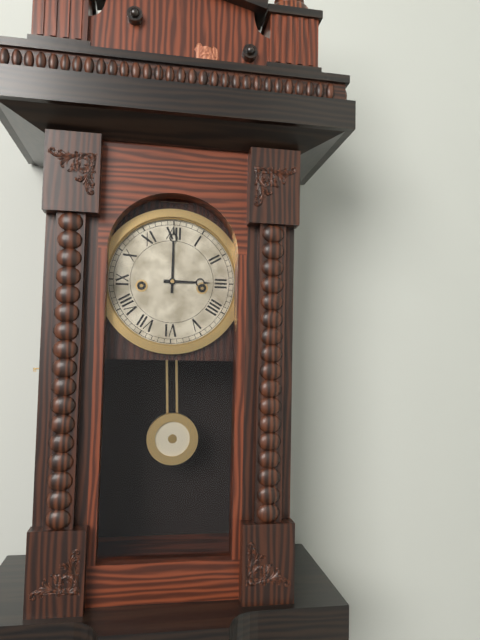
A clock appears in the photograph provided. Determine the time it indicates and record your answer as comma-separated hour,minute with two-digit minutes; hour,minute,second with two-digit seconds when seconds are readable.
3,00
